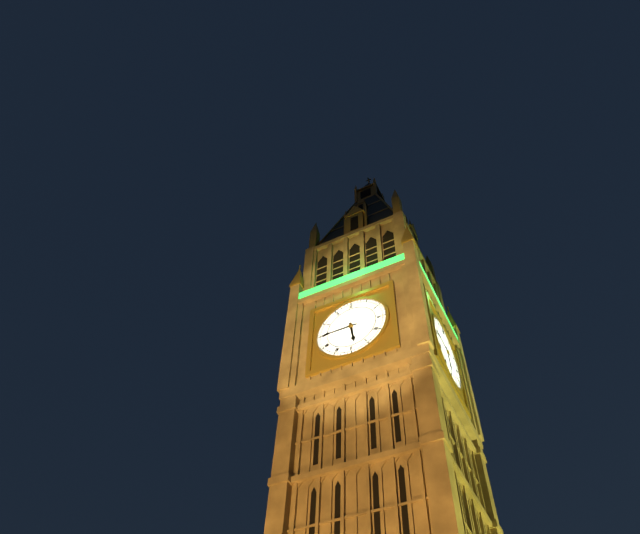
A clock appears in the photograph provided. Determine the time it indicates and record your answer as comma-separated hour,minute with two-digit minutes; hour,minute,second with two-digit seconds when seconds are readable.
5,45
